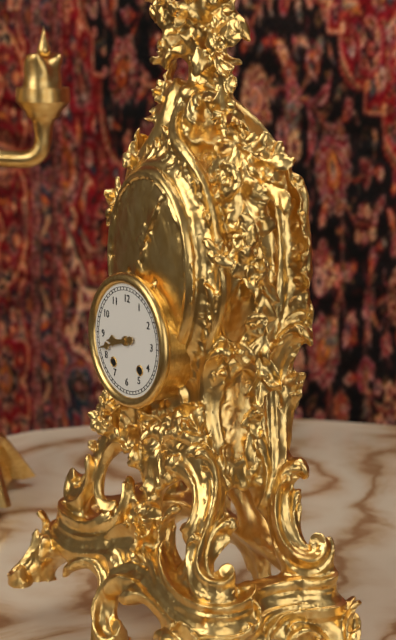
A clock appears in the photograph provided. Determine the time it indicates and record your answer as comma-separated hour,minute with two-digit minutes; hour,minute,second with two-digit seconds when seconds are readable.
8,42
